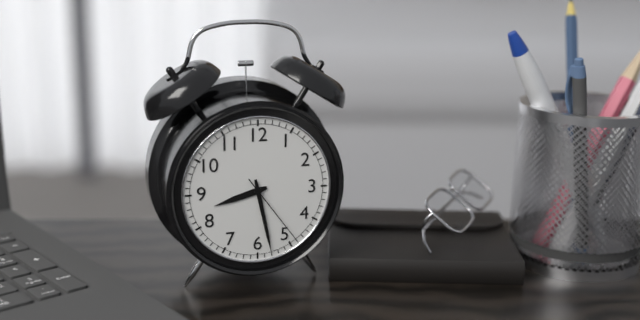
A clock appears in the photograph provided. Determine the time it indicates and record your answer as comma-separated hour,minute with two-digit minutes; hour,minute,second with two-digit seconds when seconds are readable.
8,28,24
